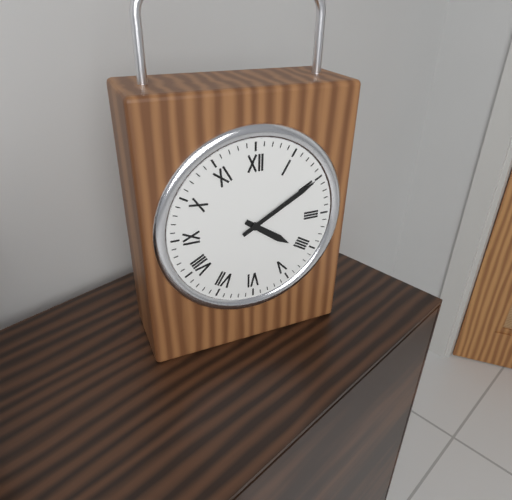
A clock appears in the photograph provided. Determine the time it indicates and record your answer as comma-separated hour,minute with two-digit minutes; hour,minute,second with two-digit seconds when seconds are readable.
4,10
